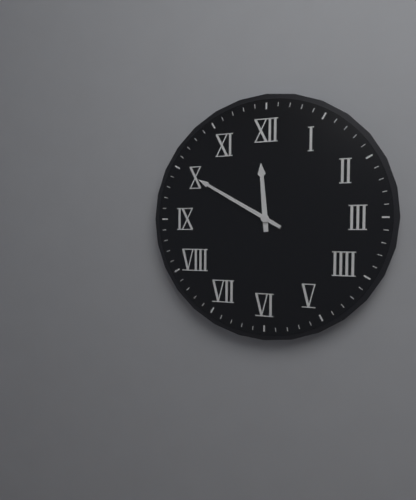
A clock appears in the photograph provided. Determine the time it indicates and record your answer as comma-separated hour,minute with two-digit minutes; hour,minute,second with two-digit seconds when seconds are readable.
11,50
